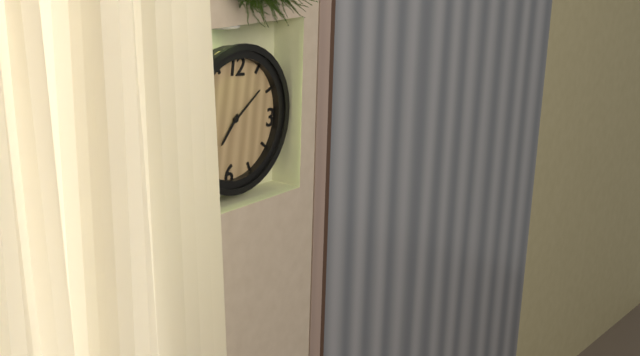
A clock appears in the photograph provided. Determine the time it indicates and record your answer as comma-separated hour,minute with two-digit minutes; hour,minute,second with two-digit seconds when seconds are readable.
7,08
